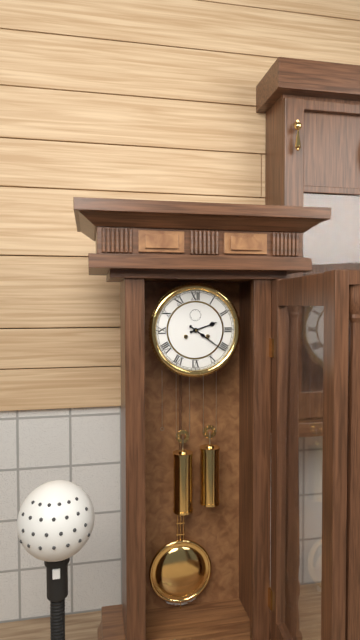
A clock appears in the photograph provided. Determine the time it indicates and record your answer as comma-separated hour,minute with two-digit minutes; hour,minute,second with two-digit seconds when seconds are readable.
2,21
